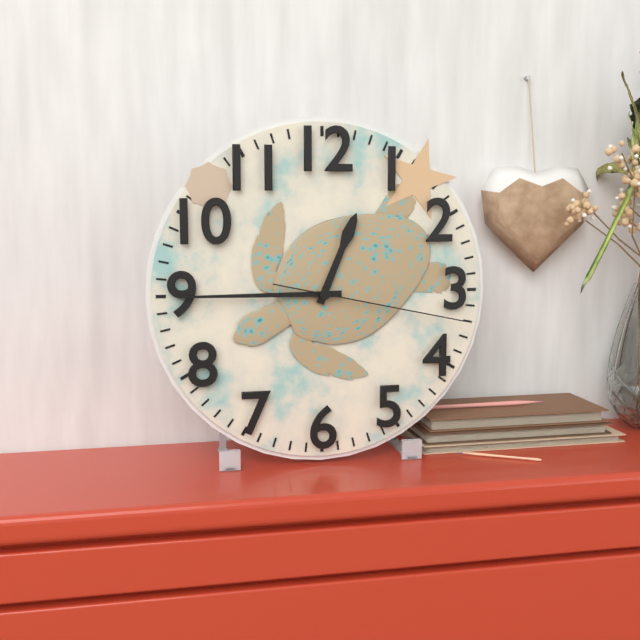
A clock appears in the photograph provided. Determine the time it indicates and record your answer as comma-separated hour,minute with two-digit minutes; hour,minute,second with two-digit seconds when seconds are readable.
12,45,17
